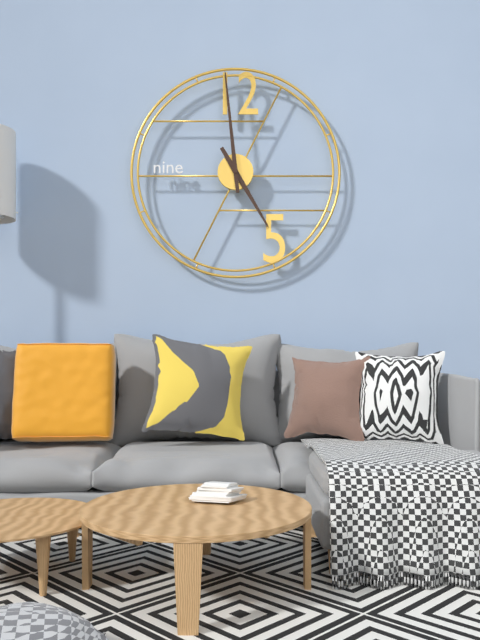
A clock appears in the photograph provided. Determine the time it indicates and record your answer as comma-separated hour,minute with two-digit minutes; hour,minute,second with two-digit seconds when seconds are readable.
4,59
